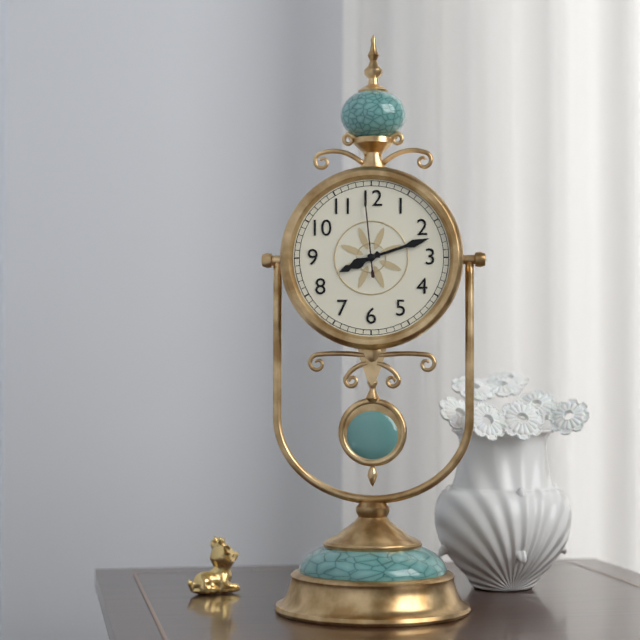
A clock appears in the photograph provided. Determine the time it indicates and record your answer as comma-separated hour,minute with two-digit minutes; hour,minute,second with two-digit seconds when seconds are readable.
8,12,59
